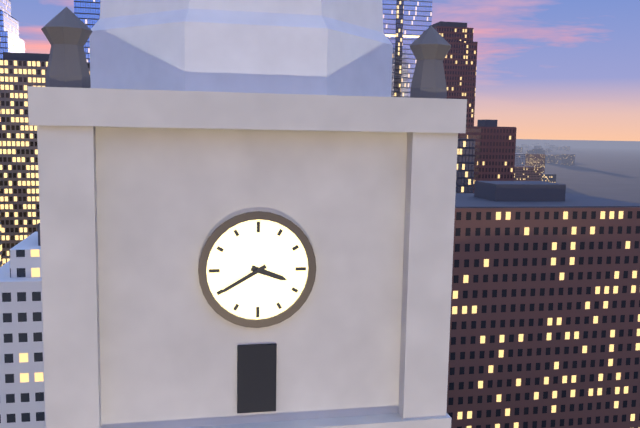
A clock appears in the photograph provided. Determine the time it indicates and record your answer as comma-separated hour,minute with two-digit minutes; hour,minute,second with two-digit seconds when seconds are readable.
3,40
